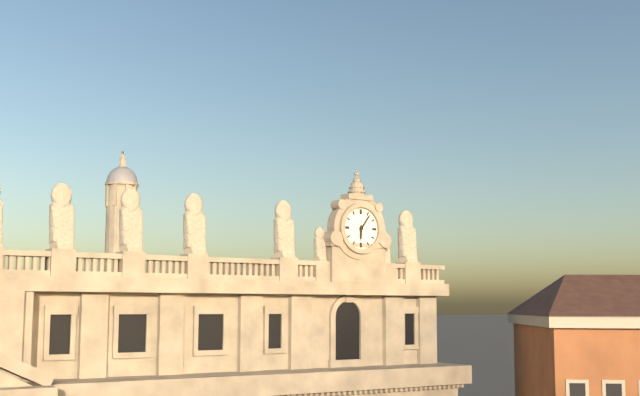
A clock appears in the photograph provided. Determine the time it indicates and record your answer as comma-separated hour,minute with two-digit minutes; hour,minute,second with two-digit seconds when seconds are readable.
6,06
